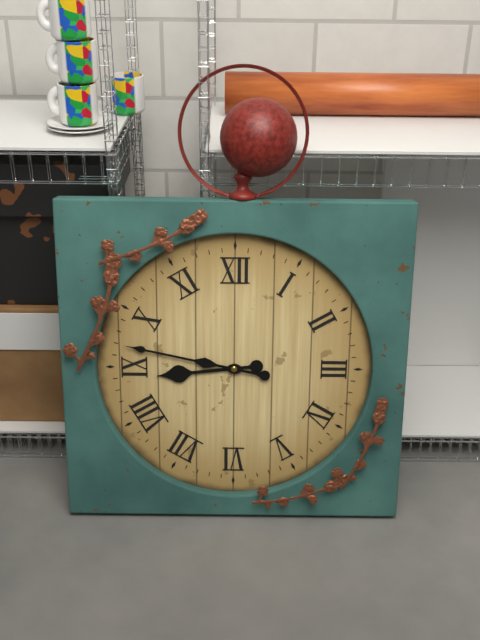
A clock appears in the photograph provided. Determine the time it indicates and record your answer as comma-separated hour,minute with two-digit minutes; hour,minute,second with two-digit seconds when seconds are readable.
8,47
